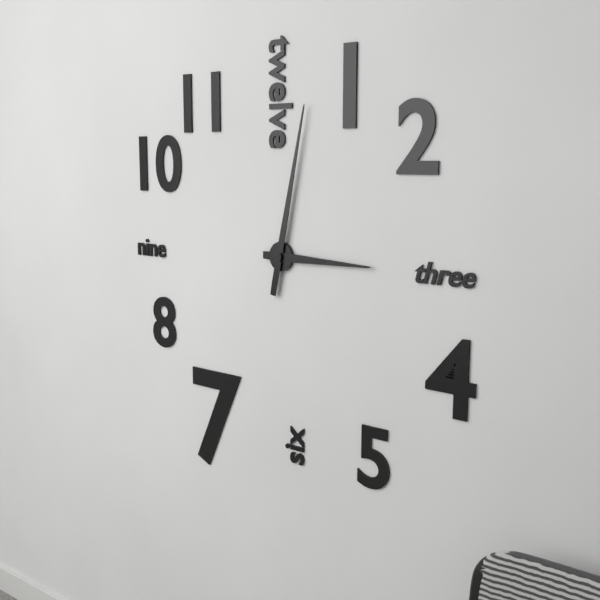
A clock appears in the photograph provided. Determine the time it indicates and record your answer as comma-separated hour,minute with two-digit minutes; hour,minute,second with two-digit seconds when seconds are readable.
3,02
